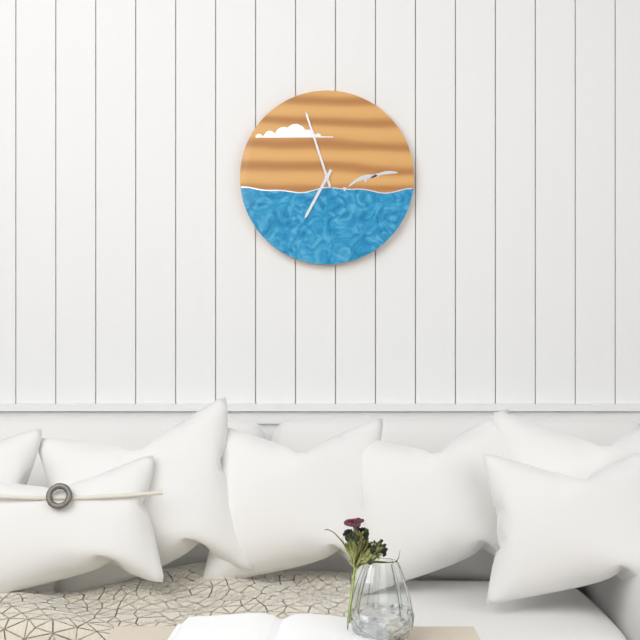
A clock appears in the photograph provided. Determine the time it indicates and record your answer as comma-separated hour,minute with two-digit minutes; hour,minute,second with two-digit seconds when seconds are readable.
6,57
